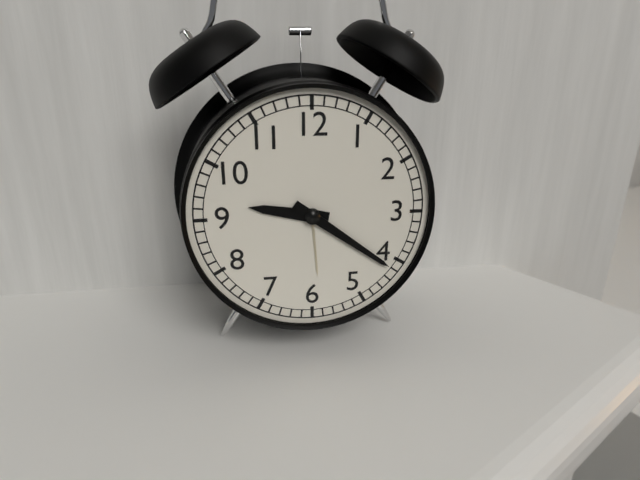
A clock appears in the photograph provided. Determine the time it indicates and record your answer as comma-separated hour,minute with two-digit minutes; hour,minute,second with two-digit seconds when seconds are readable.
9,21
